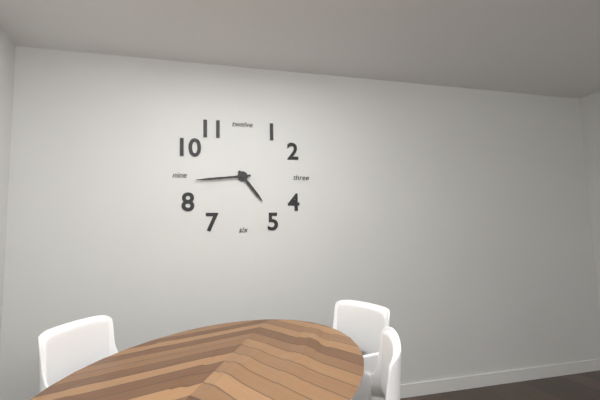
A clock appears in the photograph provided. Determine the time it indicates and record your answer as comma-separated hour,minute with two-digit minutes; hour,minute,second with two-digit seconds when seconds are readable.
4,44
